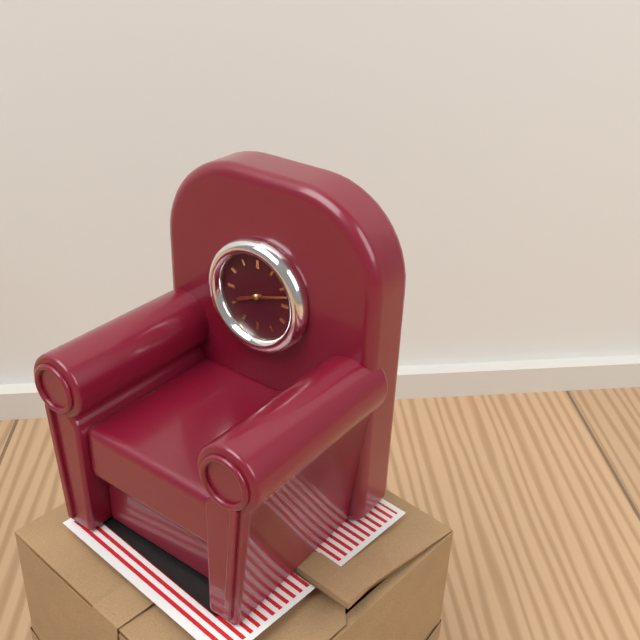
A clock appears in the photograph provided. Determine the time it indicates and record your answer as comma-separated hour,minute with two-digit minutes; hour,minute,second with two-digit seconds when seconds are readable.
8,12
